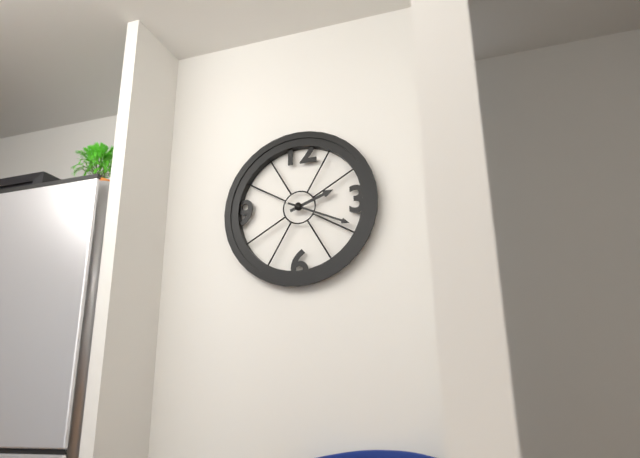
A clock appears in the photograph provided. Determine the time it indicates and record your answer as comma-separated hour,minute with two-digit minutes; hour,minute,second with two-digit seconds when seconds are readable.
2,19
